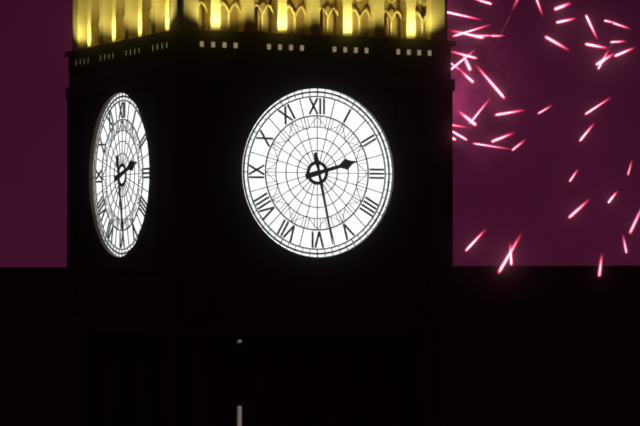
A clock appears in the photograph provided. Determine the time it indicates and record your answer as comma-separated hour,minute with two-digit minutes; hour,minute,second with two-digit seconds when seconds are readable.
2,28
